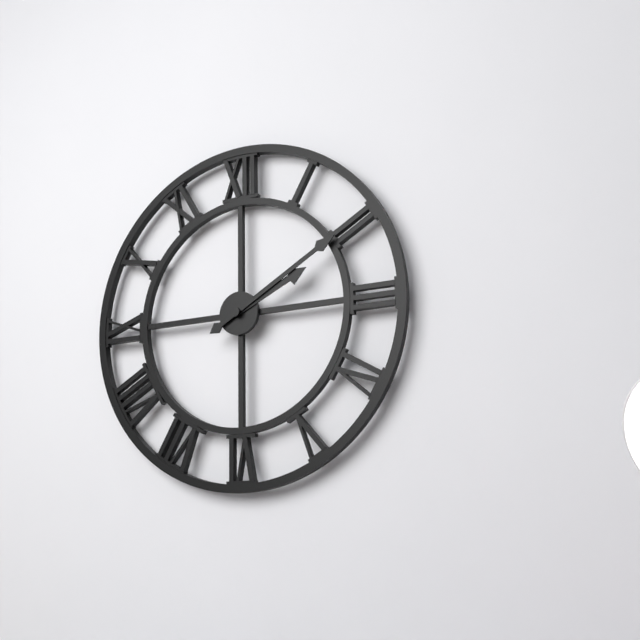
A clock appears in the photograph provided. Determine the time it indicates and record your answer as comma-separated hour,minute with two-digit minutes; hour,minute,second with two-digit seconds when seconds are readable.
2,10
